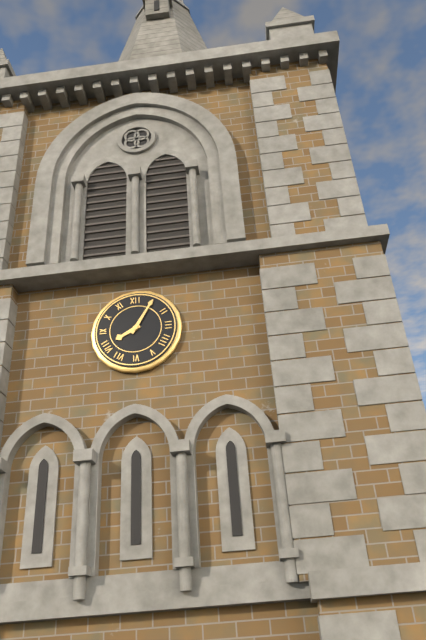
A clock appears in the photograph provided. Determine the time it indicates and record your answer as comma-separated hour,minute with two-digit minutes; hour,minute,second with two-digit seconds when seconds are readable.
8,05
